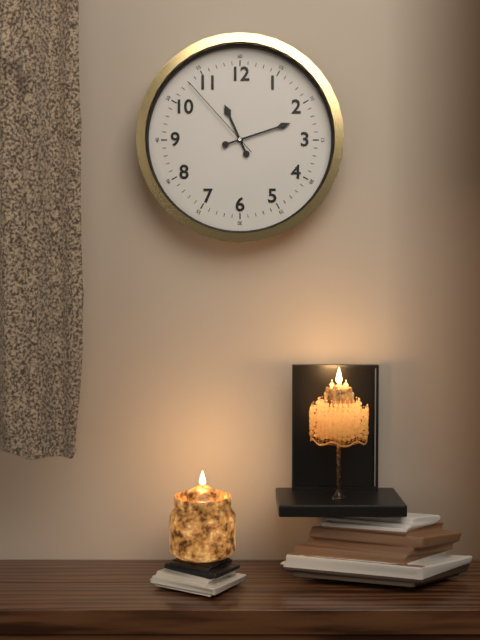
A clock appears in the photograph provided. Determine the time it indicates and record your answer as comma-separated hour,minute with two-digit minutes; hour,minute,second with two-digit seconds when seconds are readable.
11,12,53
